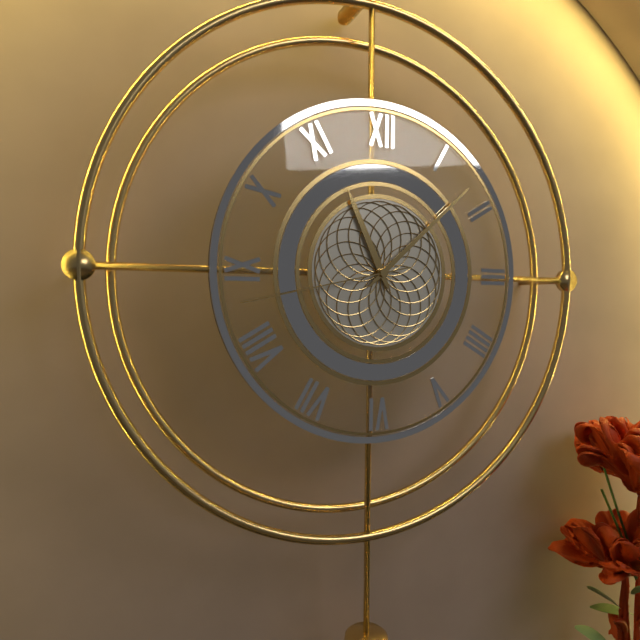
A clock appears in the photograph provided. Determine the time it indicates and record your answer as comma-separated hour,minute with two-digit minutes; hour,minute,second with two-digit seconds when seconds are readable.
11,08,43
